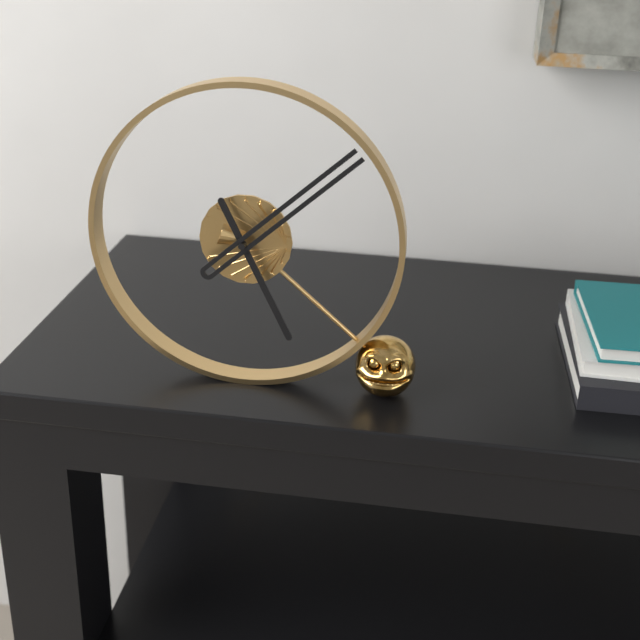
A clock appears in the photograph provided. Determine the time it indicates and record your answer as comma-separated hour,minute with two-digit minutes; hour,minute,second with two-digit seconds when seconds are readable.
5,08
